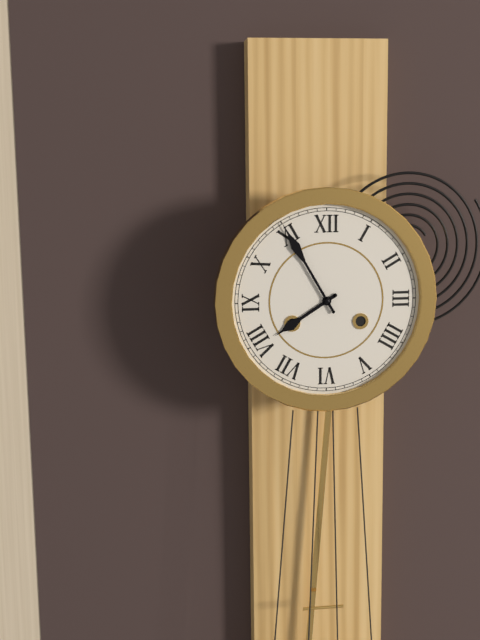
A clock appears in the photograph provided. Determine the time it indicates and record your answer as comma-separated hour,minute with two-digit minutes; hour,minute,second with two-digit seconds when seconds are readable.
7,55
